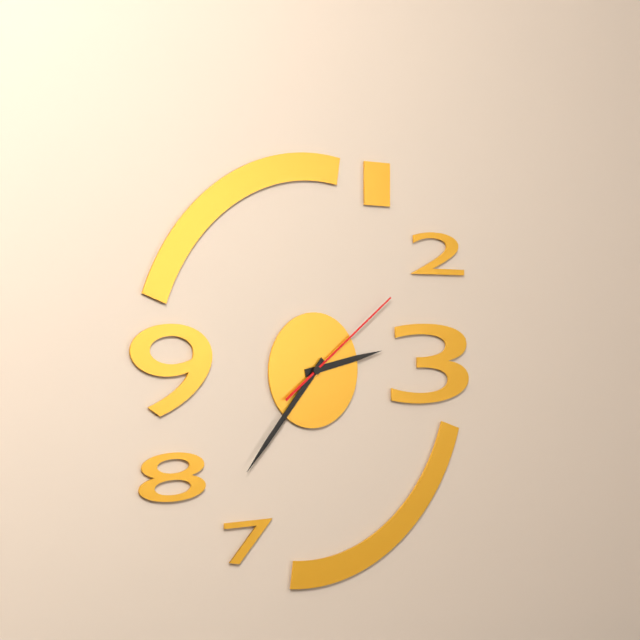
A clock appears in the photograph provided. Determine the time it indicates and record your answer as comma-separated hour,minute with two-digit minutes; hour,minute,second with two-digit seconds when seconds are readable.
2,37,09
